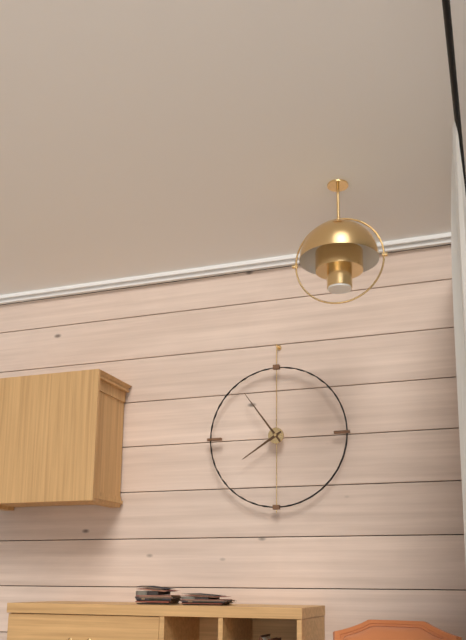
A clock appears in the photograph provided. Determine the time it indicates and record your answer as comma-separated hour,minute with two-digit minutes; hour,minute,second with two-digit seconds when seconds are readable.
7,54
